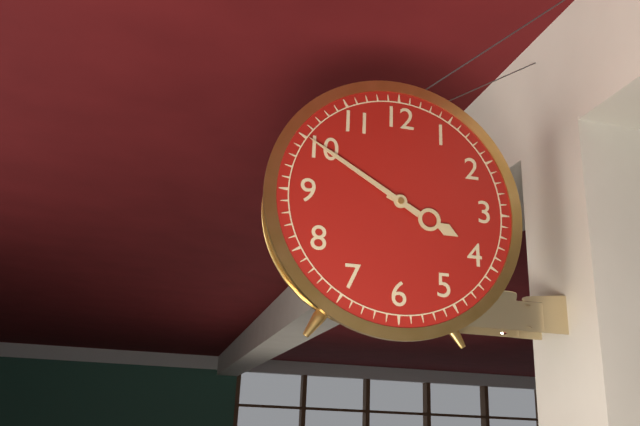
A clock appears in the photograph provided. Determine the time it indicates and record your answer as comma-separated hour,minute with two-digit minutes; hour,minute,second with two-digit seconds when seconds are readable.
3,50
